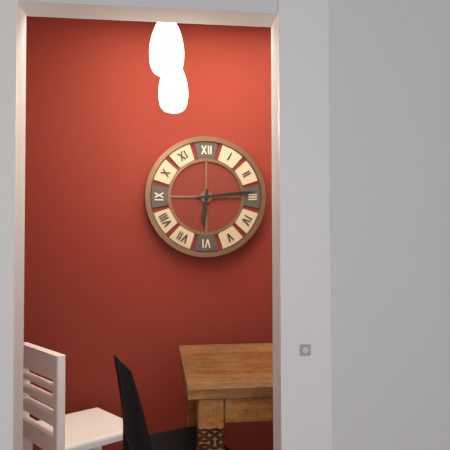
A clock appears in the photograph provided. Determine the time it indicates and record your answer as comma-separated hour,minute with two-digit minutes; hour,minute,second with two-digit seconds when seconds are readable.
6,14
